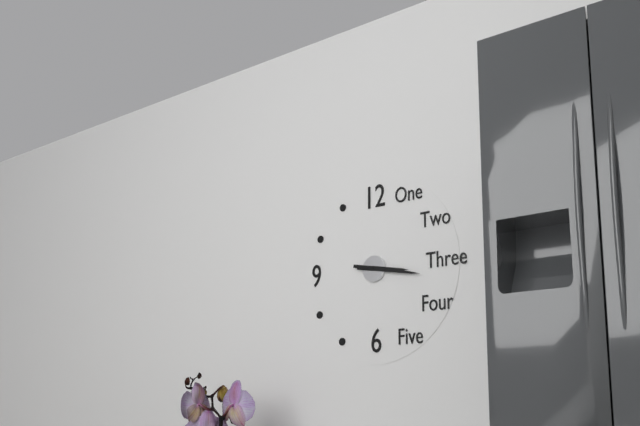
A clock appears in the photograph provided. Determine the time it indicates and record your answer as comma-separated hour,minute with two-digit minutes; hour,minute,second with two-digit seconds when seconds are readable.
3,17
